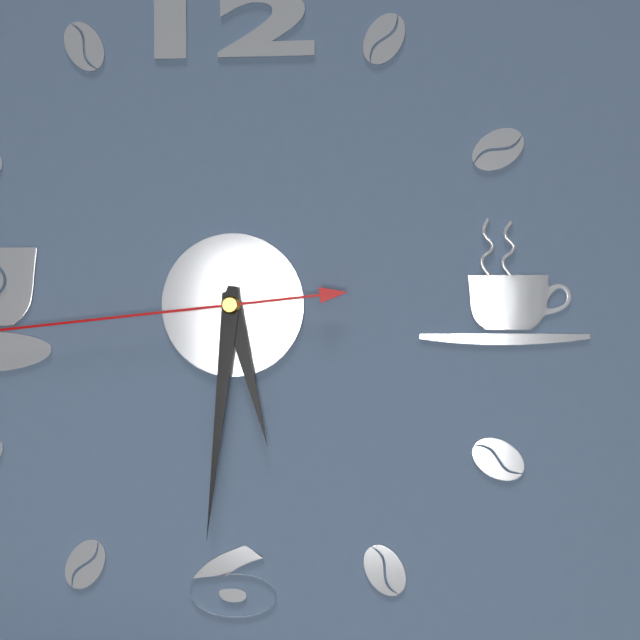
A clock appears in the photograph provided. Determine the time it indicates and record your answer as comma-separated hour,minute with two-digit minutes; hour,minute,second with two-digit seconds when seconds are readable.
5,31
